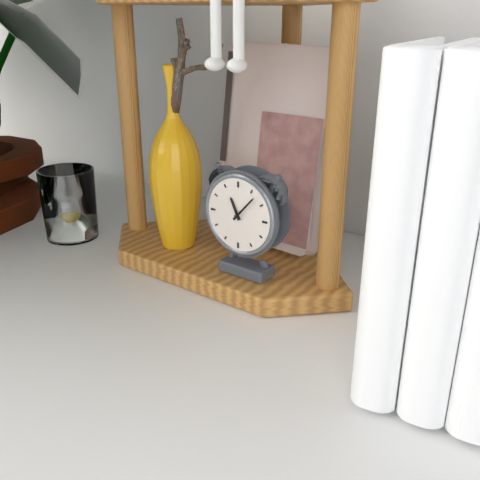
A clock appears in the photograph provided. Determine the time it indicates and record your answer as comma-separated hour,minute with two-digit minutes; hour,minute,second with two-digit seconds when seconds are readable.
11,07
